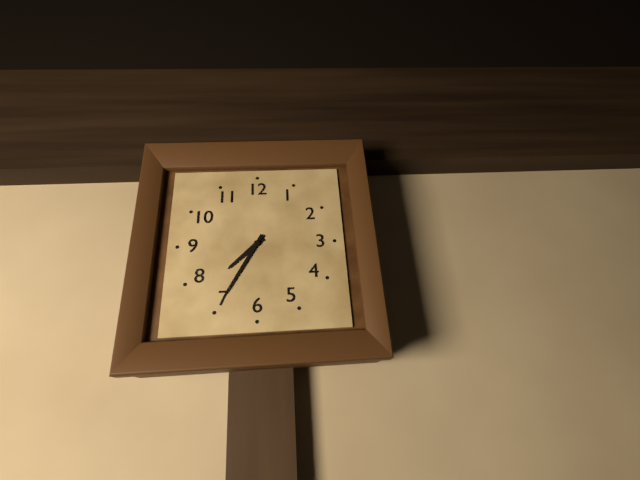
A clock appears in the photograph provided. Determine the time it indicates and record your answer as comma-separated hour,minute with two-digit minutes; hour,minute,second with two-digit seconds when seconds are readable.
7,35
